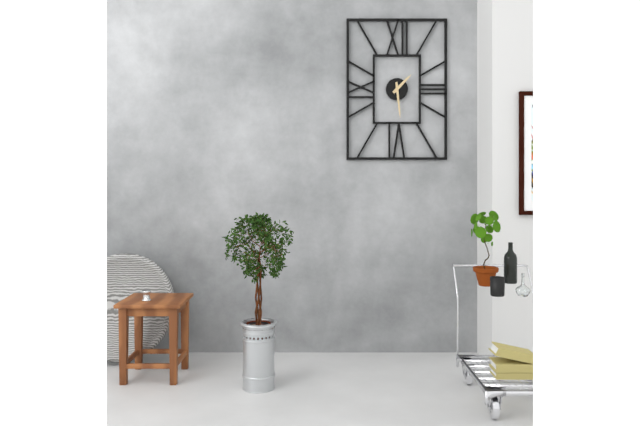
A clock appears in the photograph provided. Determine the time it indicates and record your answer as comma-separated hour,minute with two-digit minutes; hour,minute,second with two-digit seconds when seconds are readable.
1,29
